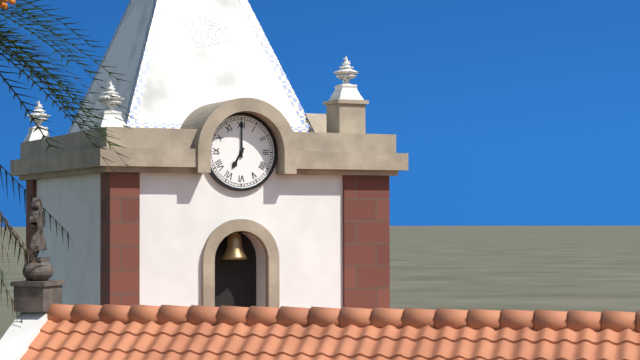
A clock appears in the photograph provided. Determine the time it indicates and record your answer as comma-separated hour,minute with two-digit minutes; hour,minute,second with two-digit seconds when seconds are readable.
7,00
